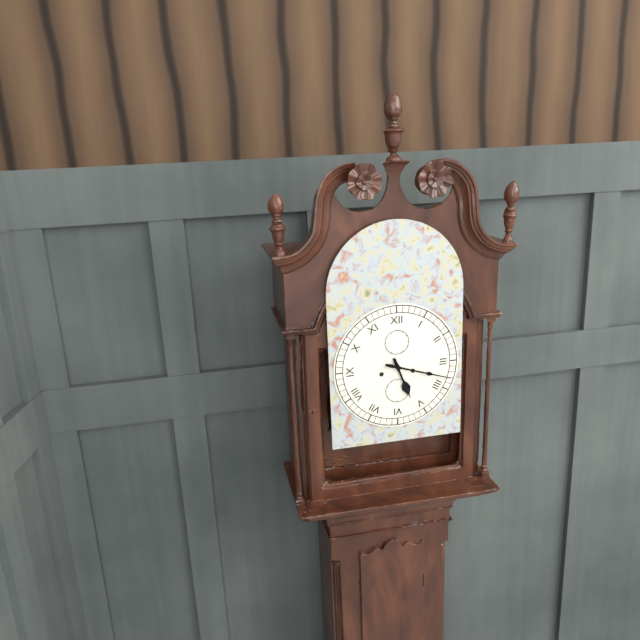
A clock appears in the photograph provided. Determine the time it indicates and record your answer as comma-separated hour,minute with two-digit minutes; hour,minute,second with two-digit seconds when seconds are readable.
5,18
